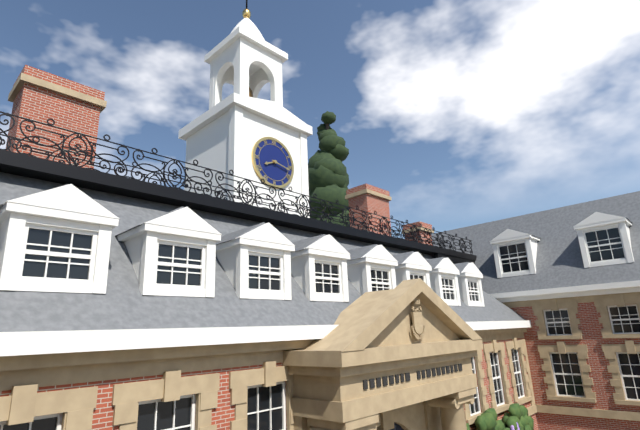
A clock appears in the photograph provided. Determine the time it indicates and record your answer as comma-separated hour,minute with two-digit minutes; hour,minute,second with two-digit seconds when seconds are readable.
8,17
